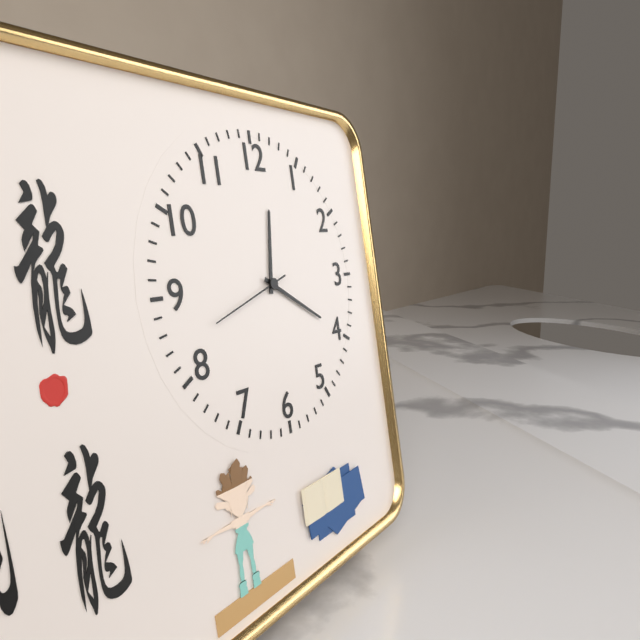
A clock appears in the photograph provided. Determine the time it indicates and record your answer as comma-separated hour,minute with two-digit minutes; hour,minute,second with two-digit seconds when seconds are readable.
12,20,42
